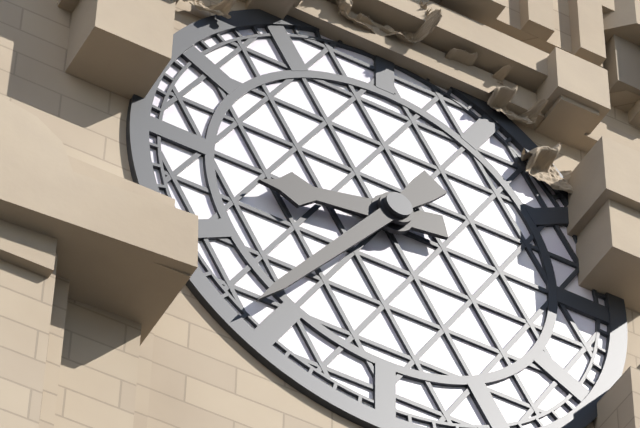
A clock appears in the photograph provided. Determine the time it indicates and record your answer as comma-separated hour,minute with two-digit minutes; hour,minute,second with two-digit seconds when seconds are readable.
8,36
